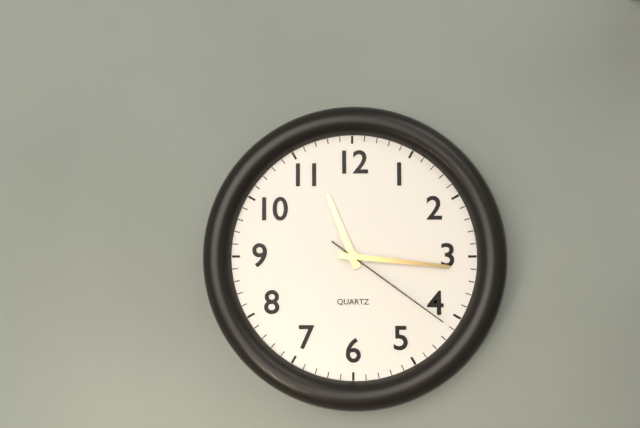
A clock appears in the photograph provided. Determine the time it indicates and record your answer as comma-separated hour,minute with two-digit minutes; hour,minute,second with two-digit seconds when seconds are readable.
11,16,21
